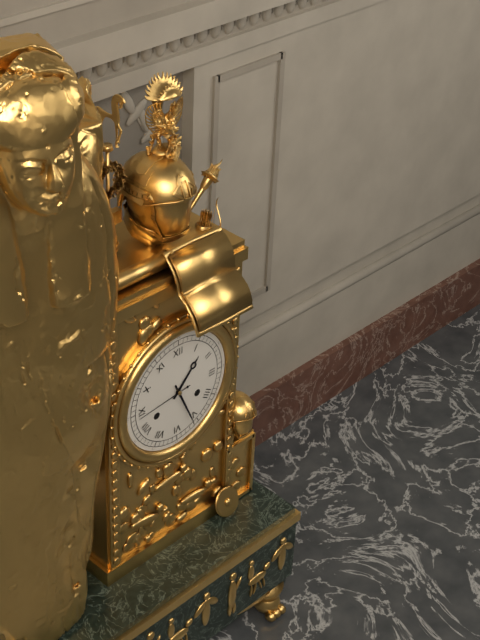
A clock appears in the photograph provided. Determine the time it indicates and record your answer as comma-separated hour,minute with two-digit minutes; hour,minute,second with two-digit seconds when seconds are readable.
1,26,44
